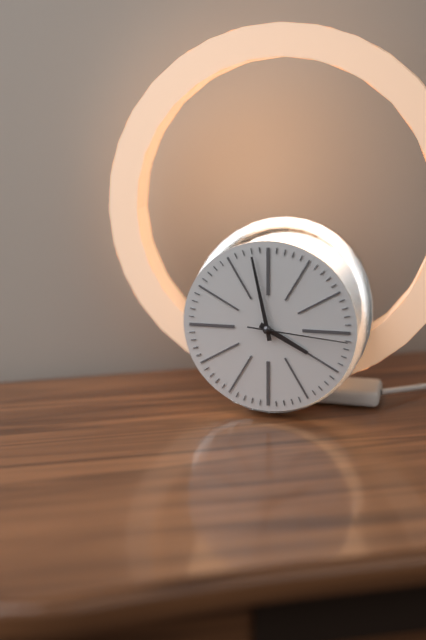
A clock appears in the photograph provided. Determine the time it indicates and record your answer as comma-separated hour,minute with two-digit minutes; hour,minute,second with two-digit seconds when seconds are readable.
3,58,16
